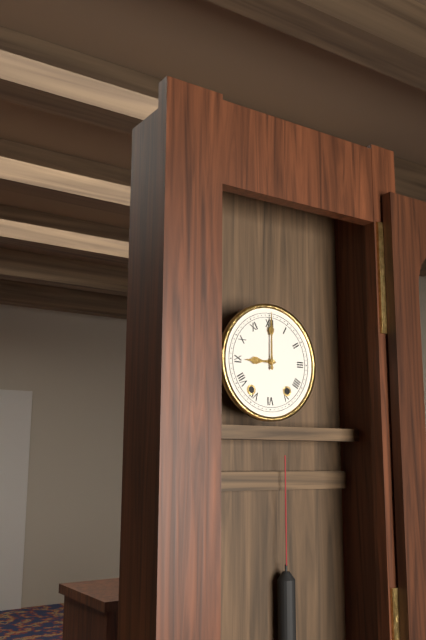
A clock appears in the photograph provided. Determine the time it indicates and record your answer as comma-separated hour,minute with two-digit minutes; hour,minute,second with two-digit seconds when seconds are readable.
9,00
